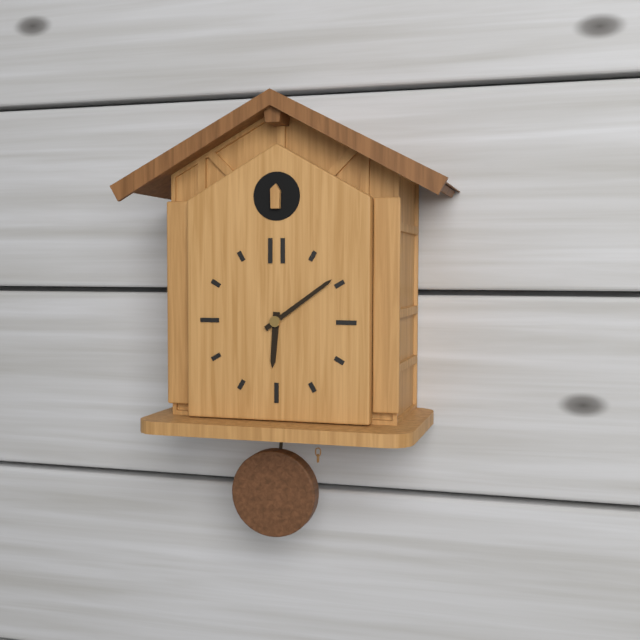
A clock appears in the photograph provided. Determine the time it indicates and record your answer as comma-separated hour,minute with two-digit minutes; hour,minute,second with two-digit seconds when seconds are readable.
6,09
